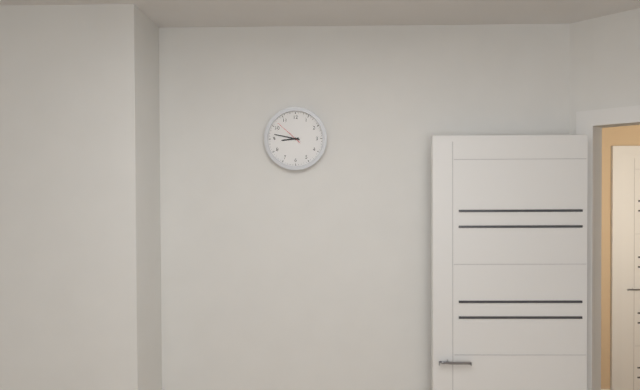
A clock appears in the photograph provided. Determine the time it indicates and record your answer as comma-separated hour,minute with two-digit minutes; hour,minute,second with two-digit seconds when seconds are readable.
8,47
